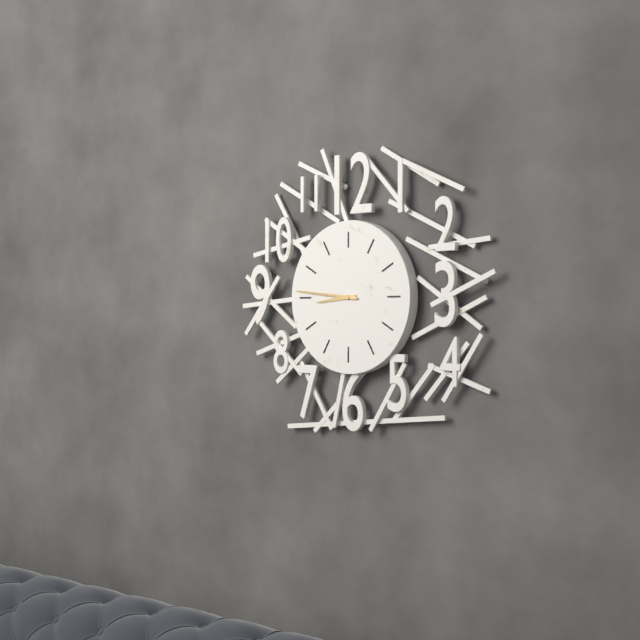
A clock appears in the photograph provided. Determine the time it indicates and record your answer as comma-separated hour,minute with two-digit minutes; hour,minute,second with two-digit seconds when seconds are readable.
8,46
